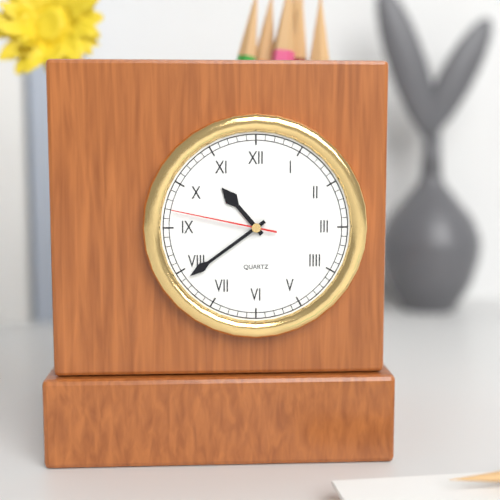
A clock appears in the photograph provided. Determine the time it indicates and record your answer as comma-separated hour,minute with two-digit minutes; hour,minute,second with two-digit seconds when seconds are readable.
10,39,47
